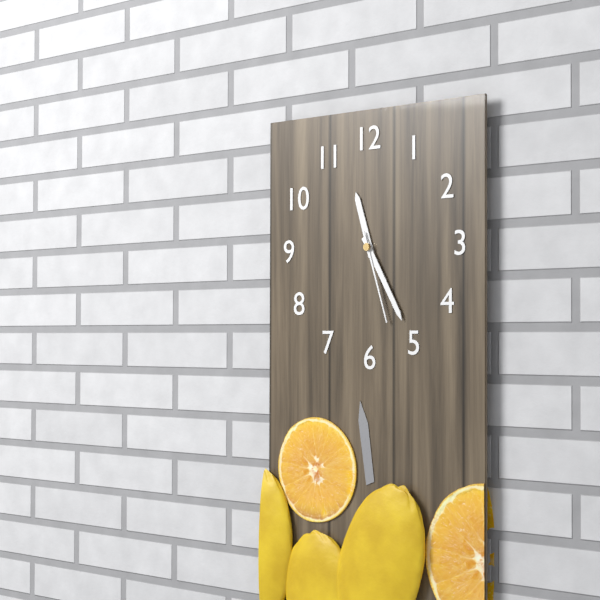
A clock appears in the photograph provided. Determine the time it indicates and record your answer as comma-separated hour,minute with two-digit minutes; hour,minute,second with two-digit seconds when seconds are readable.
11,25,27
